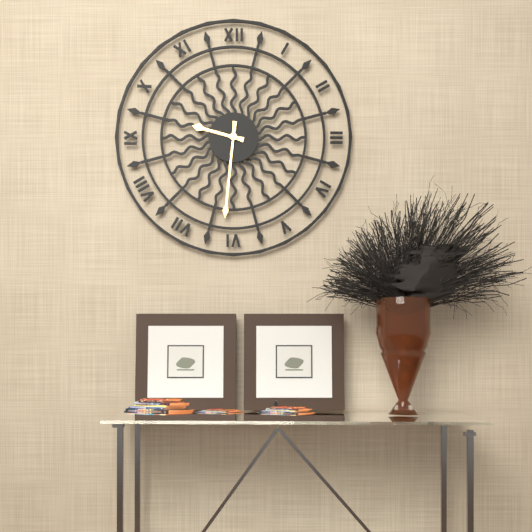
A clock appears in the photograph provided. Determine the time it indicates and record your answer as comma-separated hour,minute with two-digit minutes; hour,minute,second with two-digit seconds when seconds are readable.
9,31
